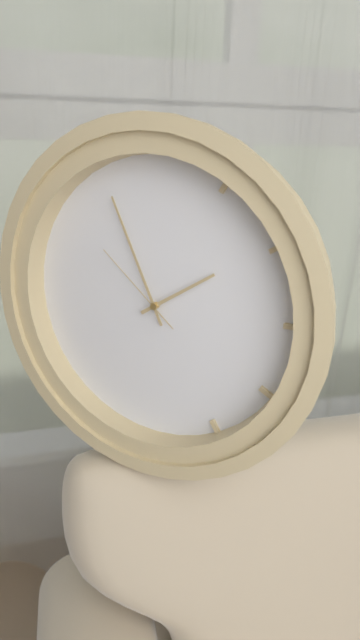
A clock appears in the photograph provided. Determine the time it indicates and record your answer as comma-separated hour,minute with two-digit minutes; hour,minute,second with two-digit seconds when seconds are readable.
1,56,52
